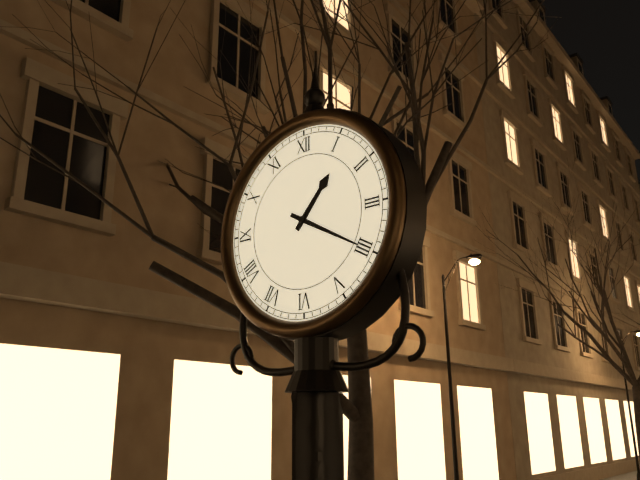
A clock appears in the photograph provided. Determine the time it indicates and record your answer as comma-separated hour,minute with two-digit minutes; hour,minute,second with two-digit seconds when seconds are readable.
1,20
